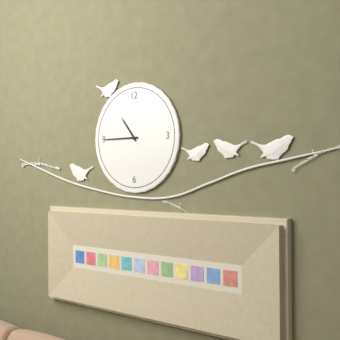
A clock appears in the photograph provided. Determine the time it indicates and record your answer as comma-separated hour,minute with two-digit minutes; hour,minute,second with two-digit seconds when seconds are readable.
10,45
